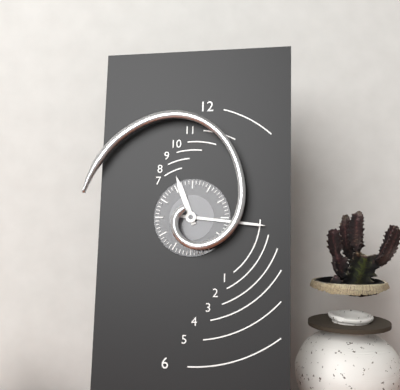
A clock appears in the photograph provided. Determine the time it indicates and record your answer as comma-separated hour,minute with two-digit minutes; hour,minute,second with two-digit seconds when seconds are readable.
11,16
